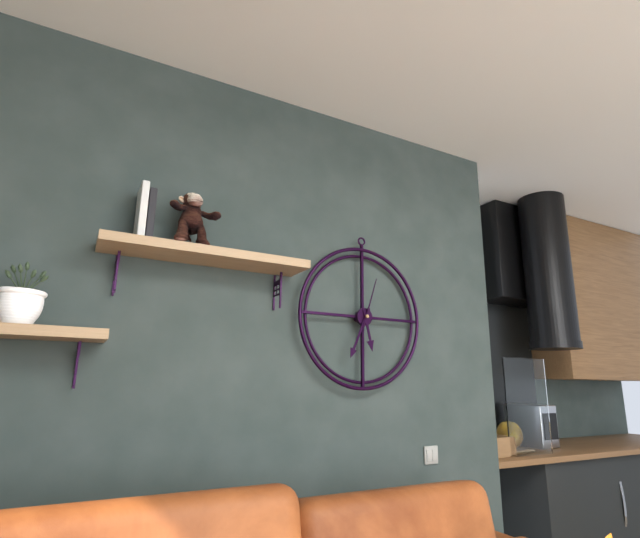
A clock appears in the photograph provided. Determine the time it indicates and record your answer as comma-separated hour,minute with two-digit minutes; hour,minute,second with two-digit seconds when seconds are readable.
5,34
